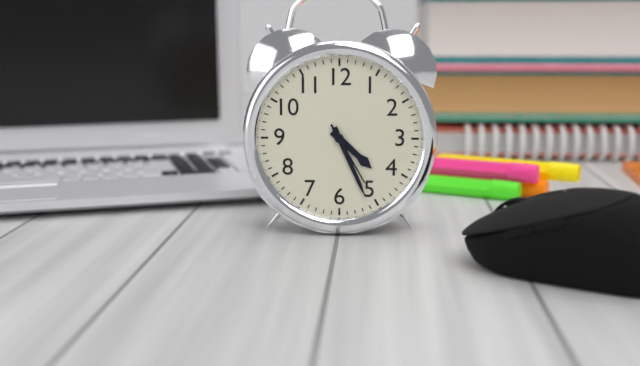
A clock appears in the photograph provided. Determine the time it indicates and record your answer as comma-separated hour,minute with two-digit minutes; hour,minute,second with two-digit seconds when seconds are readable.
4,26,25
